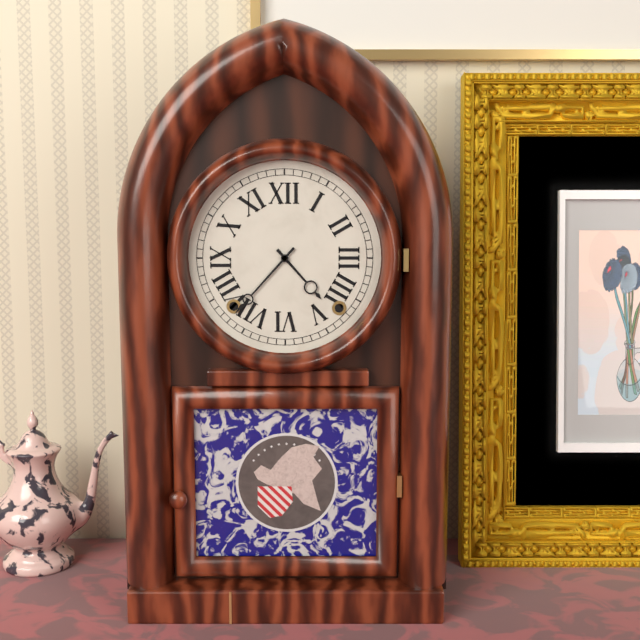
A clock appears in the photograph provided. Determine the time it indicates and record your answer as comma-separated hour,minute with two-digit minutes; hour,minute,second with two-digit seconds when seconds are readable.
4,37
